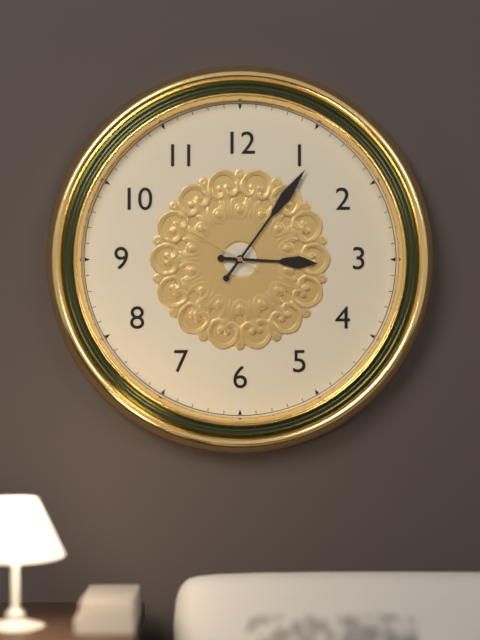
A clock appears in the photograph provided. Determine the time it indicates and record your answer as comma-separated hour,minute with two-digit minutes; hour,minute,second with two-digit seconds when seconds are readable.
3,06,50
